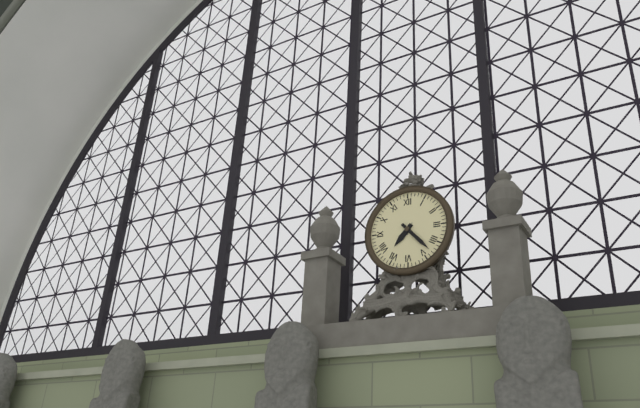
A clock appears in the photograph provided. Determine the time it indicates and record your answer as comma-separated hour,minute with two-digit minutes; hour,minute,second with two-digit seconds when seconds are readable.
7,23
